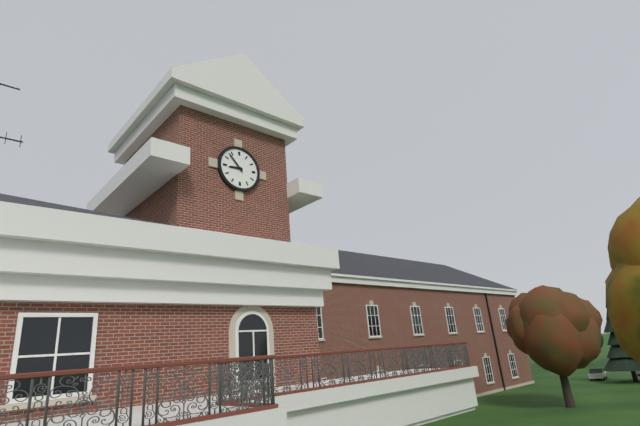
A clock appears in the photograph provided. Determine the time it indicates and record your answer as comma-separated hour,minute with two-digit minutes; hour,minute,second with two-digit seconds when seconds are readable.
8,53
